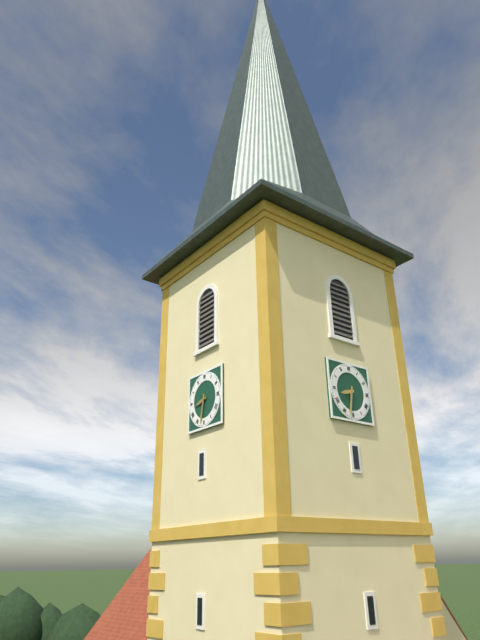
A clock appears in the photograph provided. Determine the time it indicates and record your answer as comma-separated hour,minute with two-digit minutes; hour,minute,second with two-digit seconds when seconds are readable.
8,32
